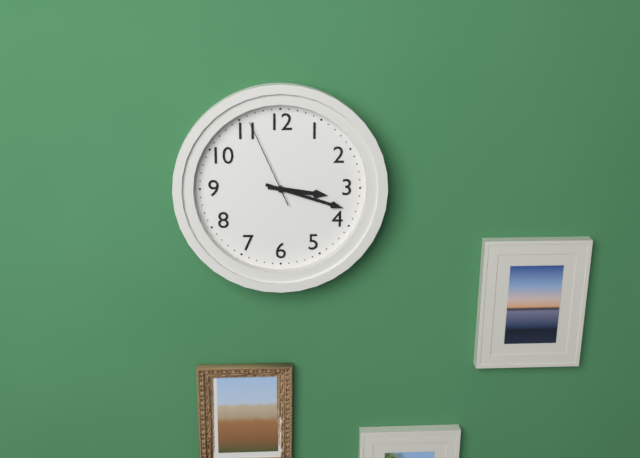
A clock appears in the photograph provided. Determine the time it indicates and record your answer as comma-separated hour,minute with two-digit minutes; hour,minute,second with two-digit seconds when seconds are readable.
3,18,56
